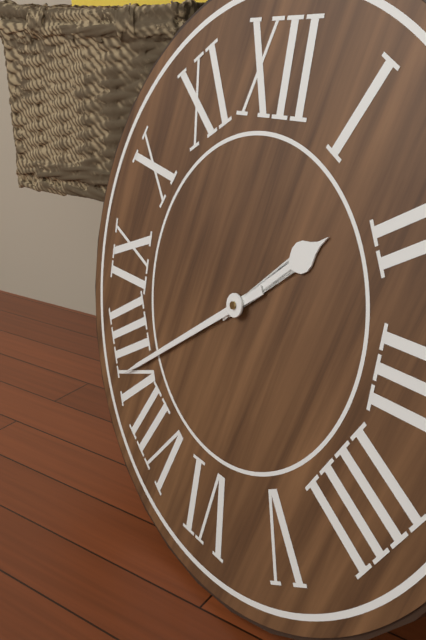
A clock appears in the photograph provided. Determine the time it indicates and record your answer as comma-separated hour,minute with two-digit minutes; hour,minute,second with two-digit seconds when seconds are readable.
1,39
